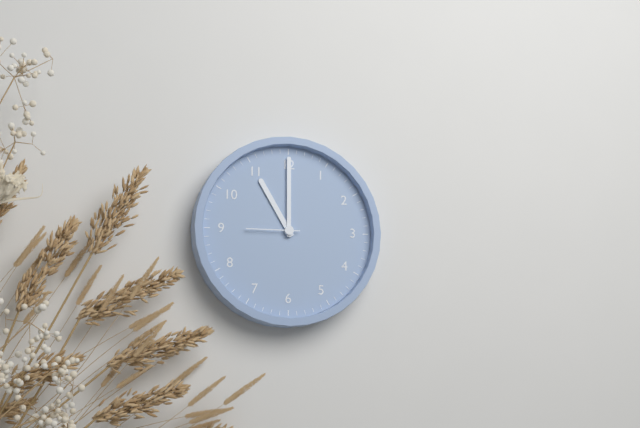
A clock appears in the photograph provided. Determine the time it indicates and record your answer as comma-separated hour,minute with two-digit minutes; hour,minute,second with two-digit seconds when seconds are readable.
11,00,45
